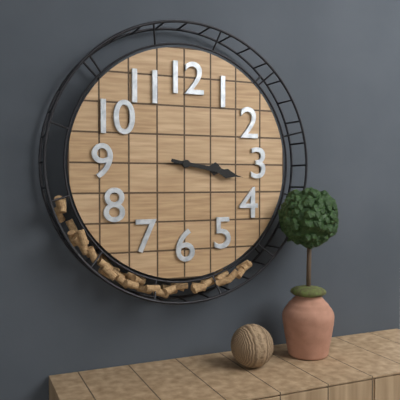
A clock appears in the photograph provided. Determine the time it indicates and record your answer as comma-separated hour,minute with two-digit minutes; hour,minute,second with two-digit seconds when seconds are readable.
3,17
